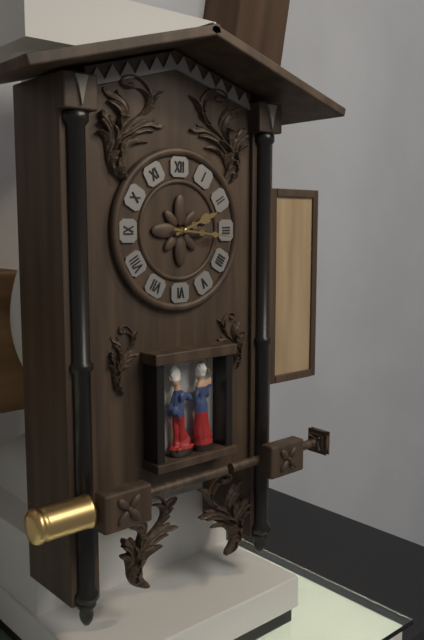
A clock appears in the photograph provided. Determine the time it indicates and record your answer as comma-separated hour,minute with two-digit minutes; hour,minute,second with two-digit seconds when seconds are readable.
2,16
